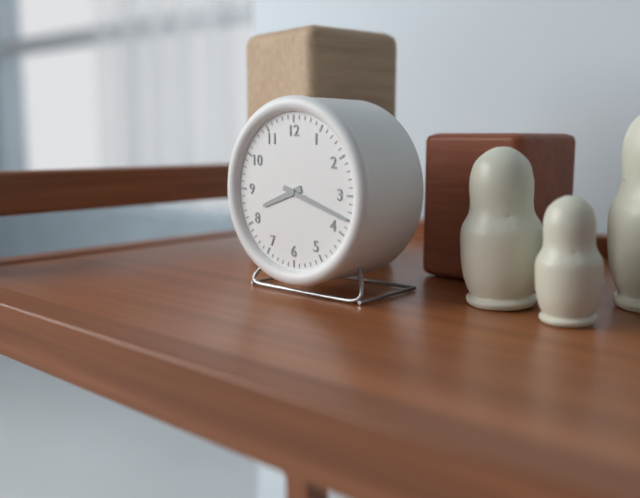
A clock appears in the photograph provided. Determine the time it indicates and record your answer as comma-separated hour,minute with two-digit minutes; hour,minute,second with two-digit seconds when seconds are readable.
8,18
